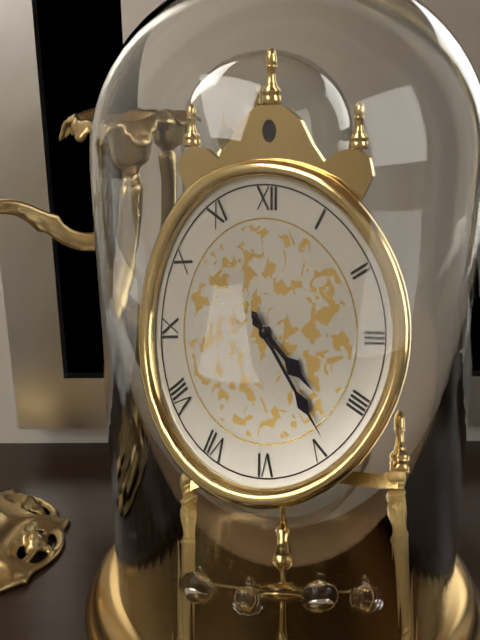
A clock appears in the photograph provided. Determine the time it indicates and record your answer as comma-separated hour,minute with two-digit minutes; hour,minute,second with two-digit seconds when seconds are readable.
4,24
